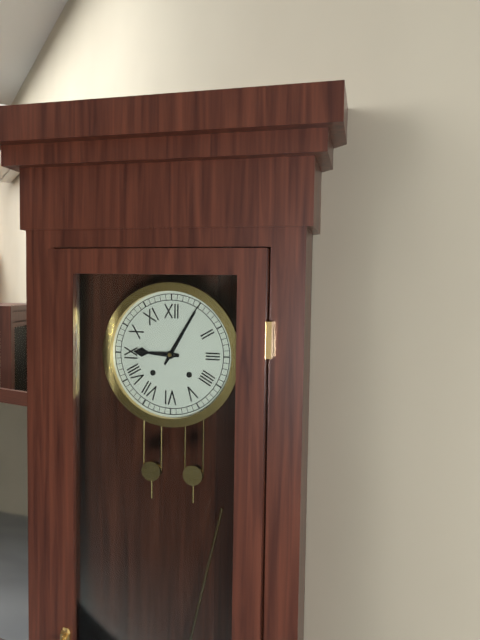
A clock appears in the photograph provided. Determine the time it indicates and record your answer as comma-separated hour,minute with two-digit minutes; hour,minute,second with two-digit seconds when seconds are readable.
9,05
